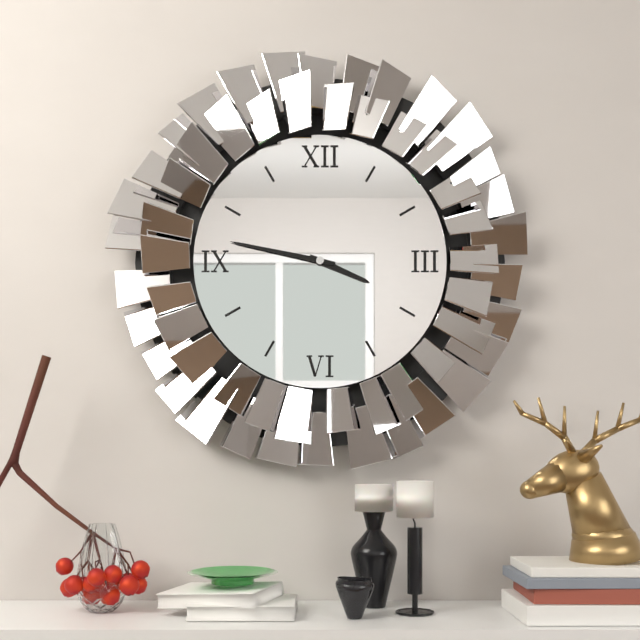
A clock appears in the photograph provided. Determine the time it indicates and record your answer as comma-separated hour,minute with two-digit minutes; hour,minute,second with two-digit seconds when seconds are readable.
3,47
